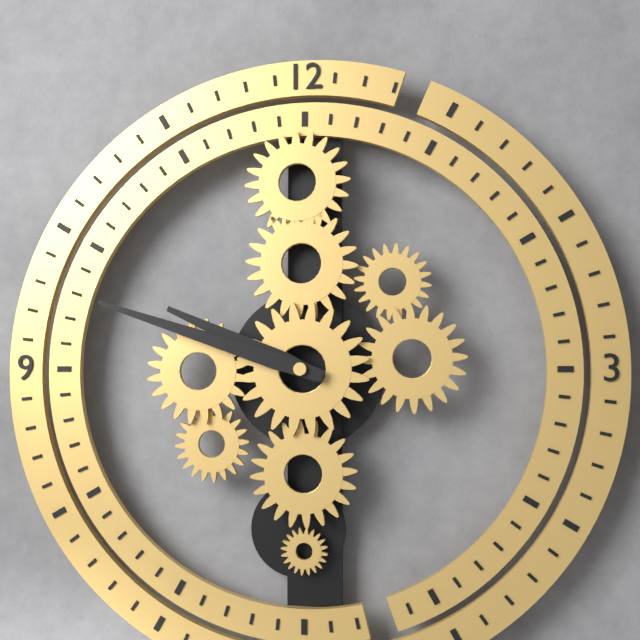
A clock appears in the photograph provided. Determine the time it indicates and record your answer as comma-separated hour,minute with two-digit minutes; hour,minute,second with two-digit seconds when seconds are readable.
9,48
